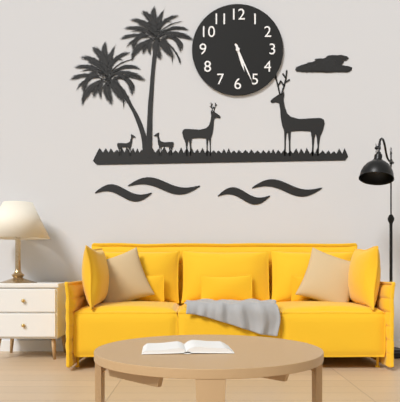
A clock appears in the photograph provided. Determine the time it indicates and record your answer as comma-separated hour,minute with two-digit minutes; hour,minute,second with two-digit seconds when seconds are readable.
5,26
